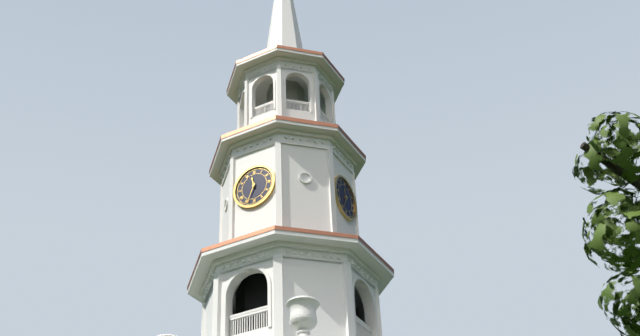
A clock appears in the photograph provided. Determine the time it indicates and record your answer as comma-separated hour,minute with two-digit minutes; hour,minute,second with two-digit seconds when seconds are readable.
11,34
